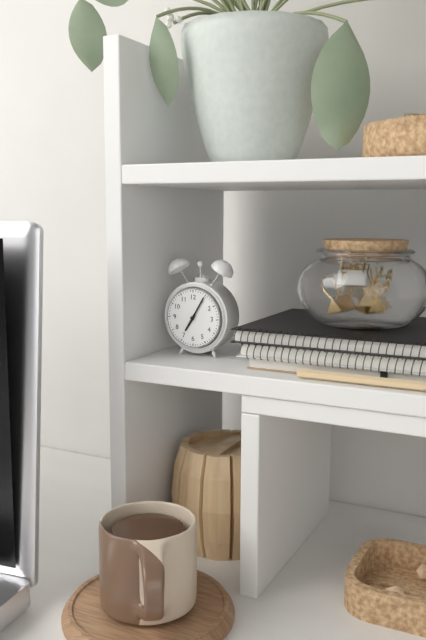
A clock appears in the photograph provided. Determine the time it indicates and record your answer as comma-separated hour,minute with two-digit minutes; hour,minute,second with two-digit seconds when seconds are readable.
7,05
